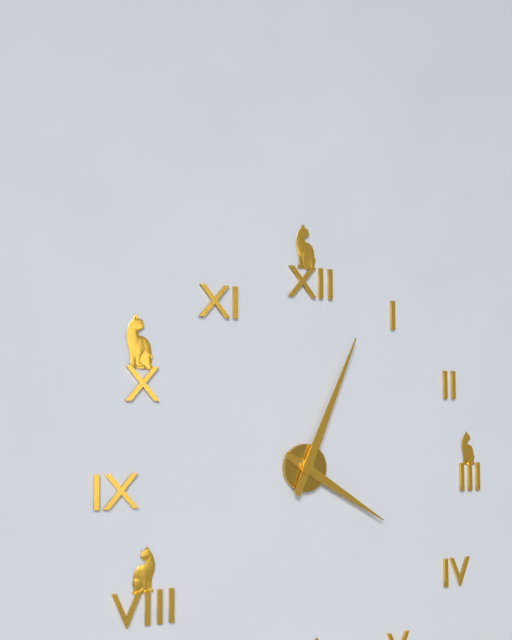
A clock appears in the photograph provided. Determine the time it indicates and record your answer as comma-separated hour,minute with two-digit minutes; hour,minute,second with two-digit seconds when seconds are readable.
4,04
